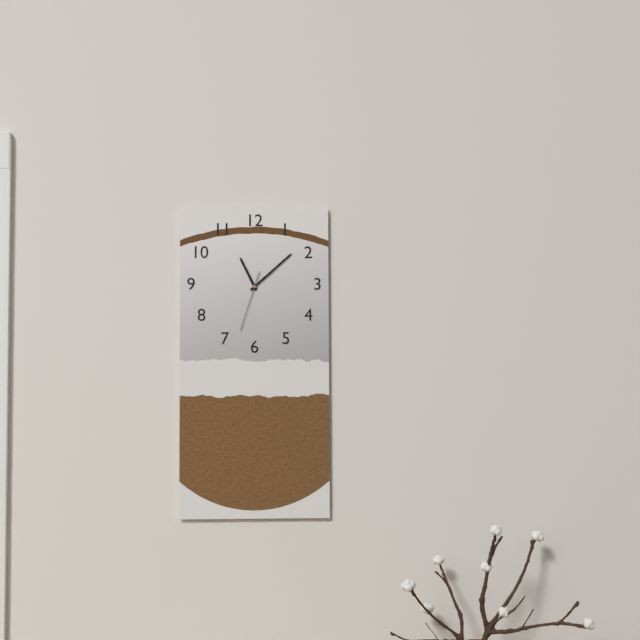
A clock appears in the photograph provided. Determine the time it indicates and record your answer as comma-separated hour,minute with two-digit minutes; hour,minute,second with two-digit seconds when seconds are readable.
11,08,33
